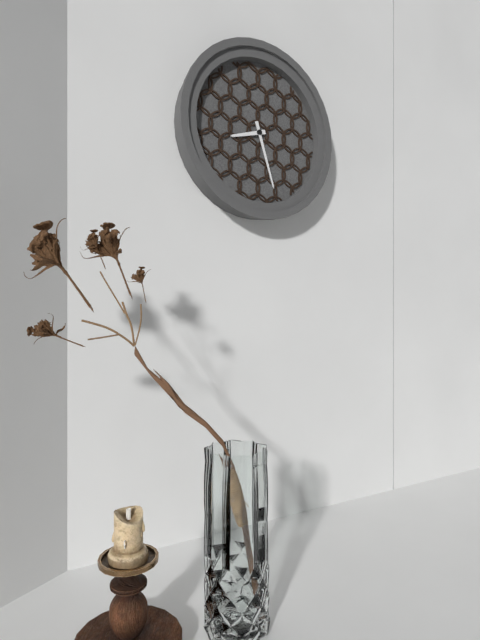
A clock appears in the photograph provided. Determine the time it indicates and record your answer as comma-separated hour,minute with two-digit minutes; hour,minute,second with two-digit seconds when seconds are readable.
8,27
